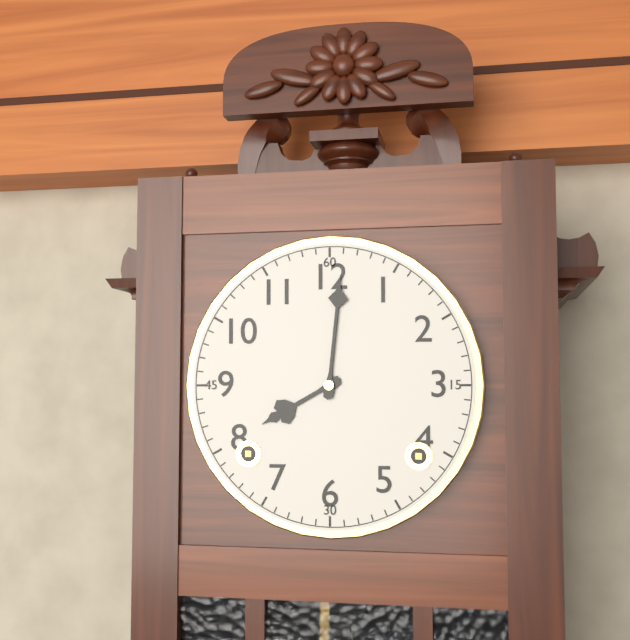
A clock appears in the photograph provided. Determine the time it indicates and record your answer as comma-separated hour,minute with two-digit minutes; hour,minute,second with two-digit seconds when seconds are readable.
8,01
